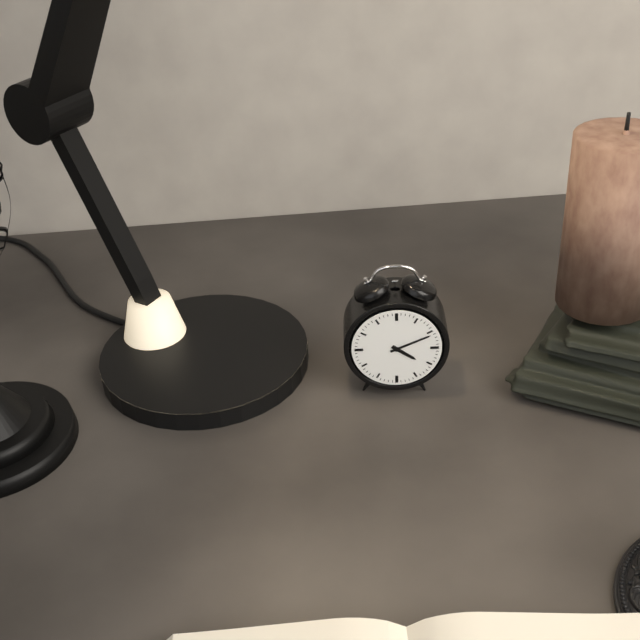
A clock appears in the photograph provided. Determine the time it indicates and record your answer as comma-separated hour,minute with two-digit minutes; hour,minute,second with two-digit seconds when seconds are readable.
4,11
